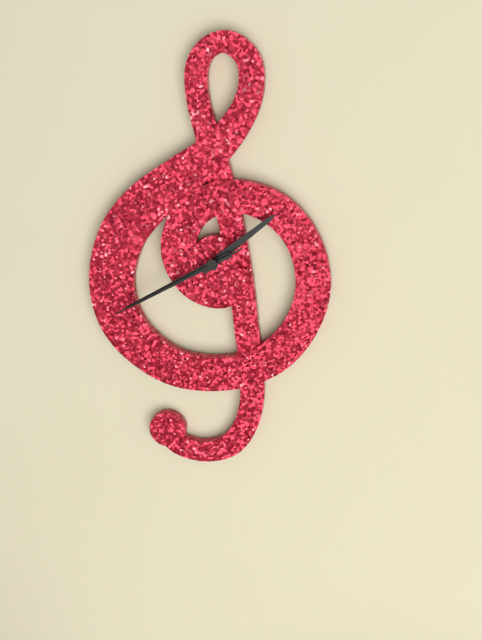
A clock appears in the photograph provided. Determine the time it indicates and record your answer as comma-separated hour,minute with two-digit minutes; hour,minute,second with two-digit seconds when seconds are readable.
1,40,40
